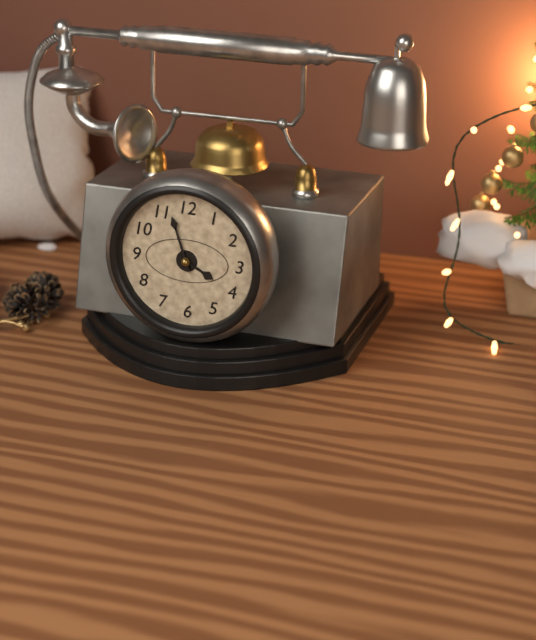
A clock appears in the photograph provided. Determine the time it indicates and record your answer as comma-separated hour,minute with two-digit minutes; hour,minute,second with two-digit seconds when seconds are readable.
3,57
